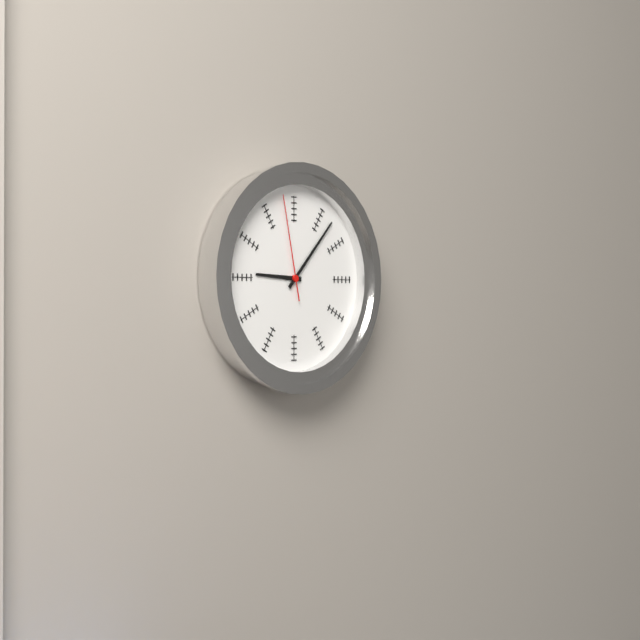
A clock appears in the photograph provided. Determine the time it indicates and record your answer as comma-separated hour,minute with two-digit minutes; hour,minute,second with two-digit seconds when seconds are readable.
9,07,58
